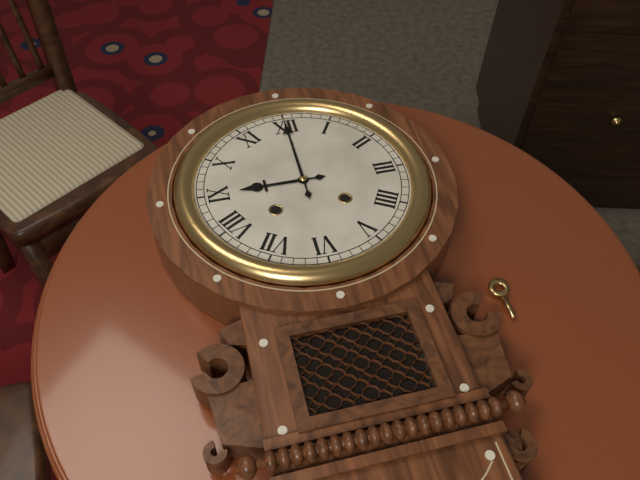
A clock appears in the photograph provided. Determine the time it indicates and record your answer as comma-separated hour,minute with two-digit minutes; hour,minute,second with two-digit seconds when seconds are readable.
9,00
